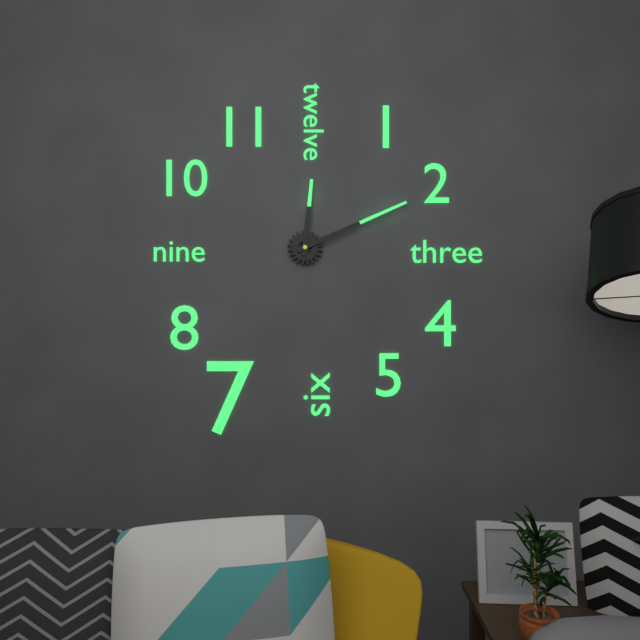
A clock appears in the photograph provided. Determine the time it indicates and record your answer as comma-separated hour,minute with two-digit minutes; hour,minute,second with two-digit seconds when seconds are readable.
12,11
